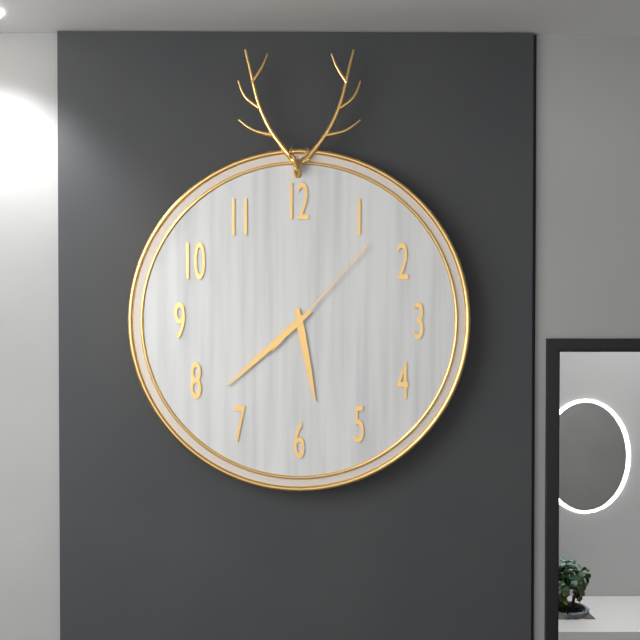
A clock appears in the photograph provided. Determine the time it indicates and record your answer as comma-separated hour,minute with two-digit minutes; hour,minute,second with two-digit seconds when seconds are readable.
5,38,07
